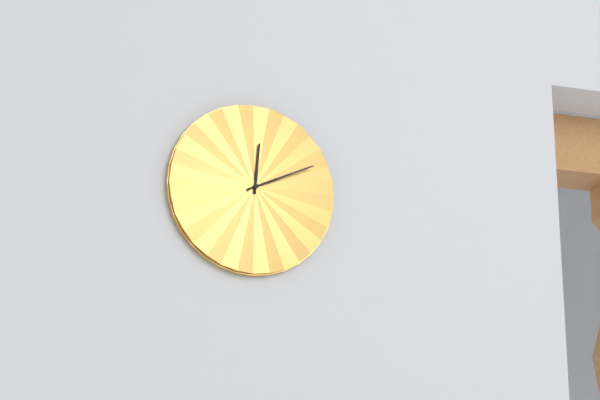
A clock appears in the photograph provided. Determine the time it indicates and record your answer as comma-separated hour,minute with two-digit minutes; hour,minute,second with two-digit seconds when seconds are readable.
12,11
